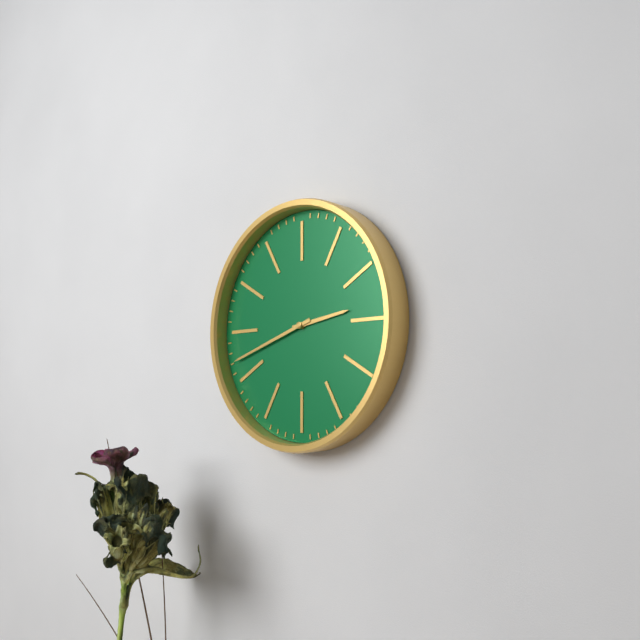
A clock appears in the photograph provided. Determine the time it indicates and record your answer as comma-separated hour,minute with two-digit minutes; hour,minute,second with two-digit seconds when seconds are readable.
2,42
